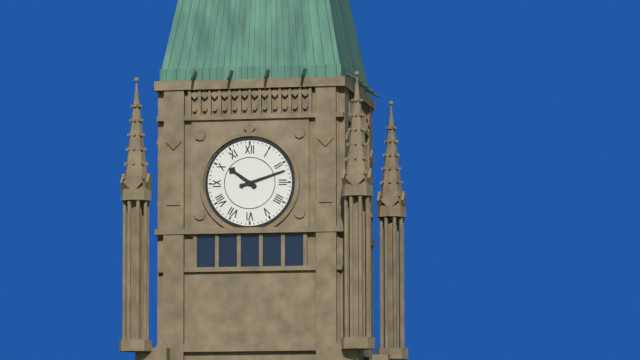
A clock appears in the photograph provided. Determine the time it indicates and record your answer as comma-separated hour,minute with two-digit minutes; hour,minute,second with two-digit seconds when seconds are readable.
10,12
